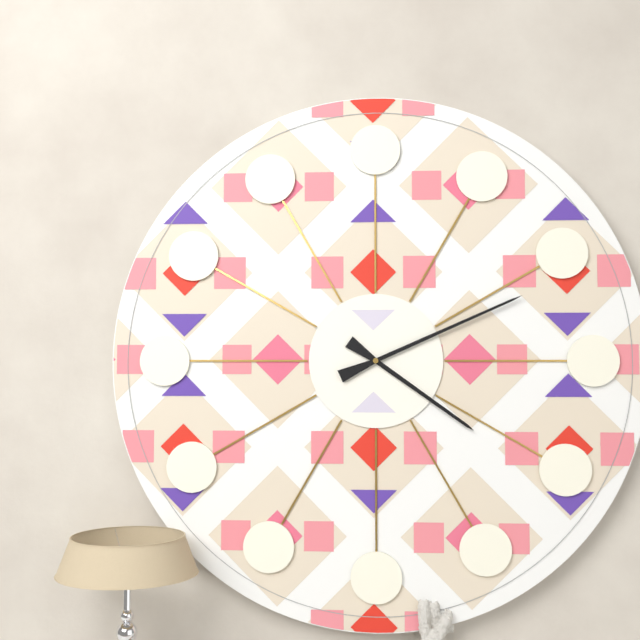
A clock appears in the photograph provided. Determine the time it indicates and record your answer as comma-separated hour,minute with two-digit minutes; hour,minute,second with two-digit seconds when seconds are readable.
4,11
